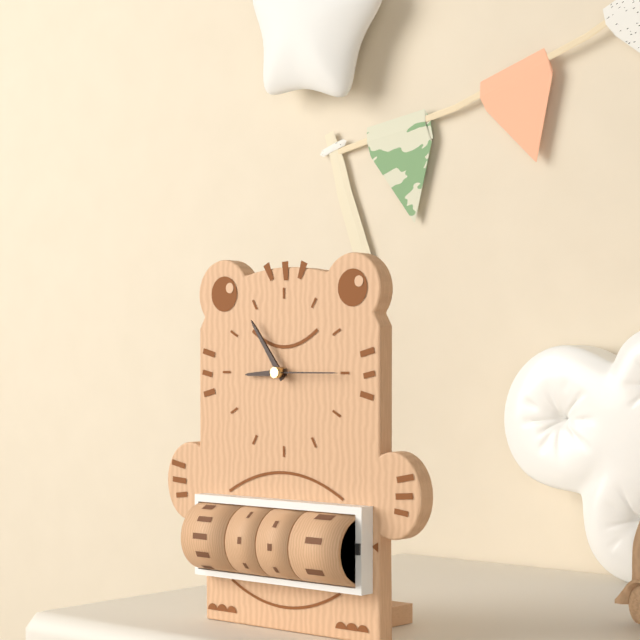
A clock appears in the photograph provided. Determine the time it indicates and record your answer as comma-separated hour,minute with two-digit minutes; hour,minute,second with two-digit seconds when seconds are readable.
8,54,15
